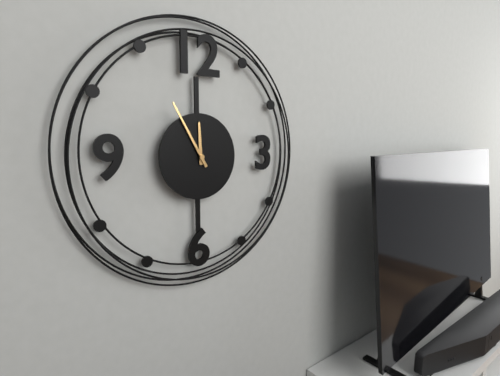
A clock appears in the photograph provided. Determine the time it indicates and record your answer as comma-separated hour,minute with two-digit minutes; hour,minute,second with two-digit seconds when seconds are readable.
11,55
